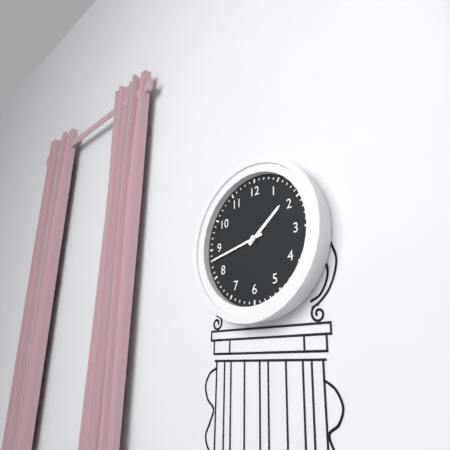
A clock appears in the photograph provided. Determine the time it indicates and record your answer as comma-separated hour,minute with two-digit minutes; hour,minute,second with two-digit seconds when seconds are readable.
1,43
